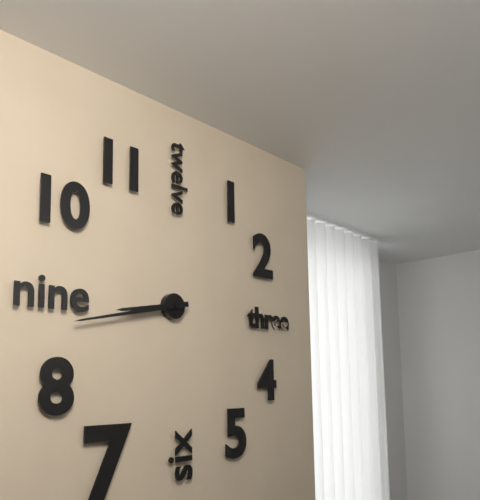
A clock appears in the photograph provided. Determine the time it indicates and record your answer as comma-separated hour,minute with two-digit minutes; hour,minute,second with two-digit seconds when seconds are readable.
8,43
